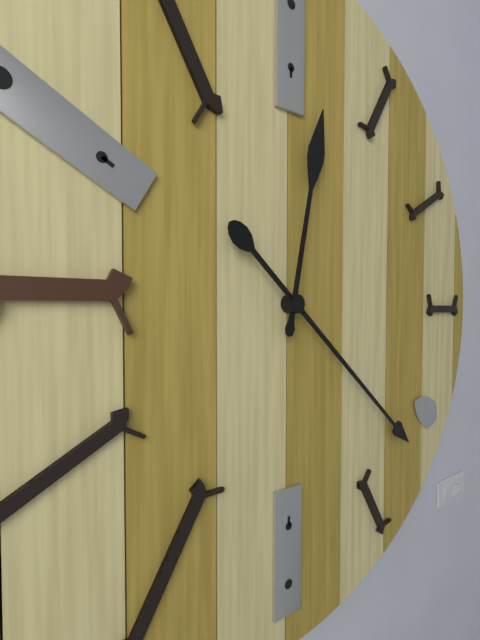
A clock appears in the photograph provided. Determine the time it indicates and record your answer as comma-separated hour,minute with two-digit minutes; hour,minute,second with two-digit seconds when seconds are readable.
12,22
